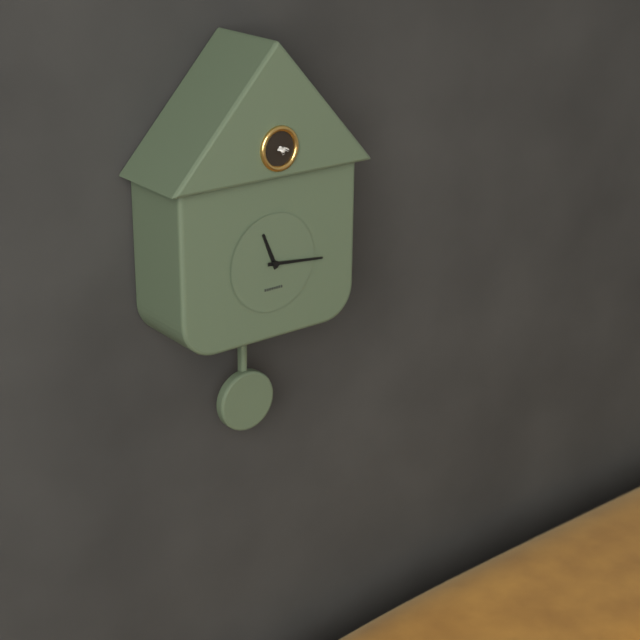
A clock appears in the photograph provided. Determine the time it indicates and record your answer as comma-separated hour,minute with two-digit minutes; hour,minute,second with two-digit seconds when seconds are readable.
11,16
